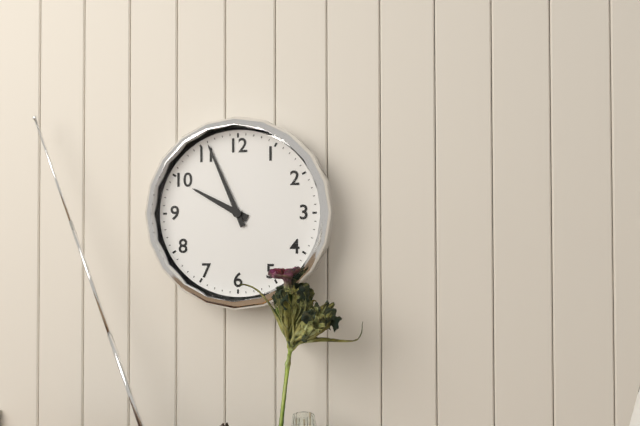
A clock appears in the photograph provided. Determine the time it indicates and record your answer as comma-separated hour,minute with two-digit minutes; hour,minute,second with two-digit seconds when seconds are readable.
9,56
